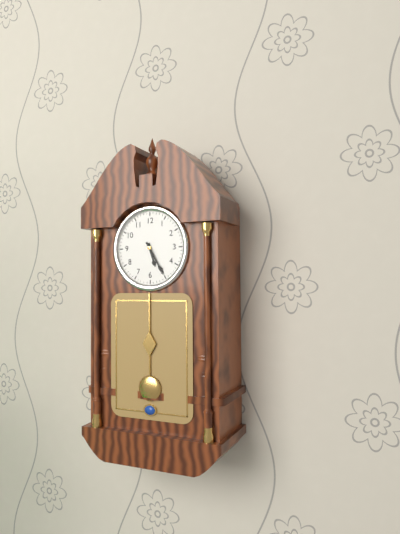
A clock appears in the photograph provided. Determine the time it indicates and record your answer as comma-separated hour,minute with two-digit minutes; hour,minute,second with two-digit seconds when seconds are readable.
5,25
